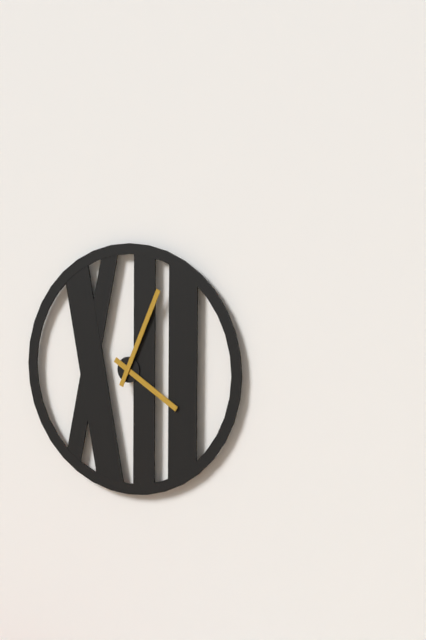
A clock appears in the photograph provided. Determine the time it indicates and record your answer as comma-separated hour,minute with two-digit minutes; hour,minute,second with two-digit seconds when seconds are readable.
4,04
